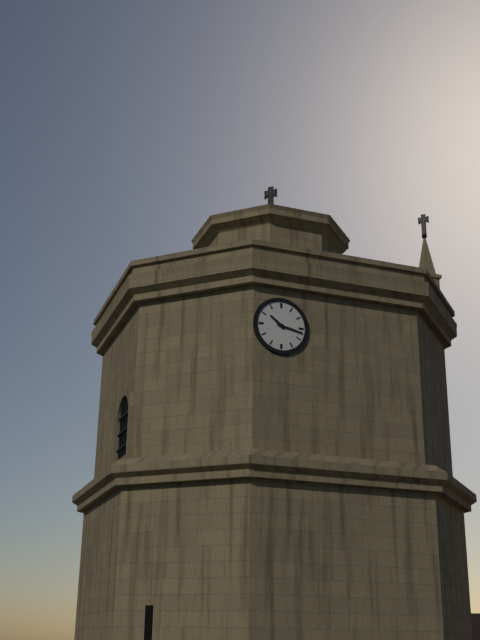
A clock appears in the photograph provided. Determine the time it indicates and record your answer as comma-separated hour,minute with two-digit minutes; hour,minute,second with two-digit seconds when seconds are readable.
10,17
